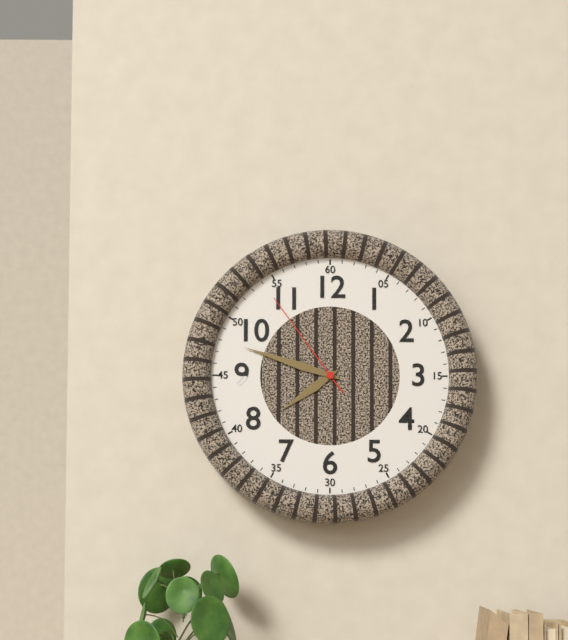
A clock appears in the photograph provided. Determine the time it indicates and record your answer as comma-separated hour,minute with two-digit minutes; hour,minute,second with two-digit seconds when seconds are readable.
7,48,54
